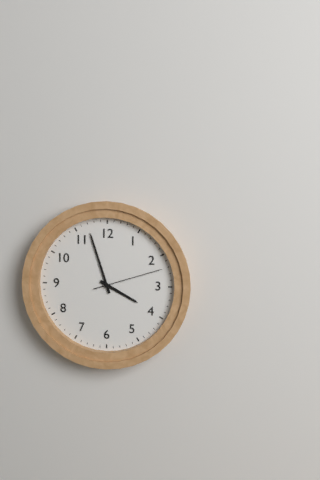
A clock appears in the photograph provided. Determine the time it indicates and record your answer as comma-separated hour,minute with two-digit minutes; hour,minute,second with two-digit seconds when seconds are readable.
3,57,12
